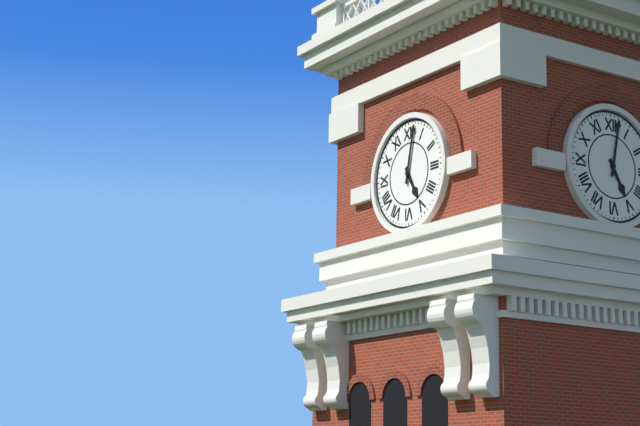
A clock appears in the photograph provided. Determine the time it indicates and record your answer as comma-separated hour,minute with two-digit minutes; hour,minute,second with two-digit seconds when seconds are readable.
5,02
